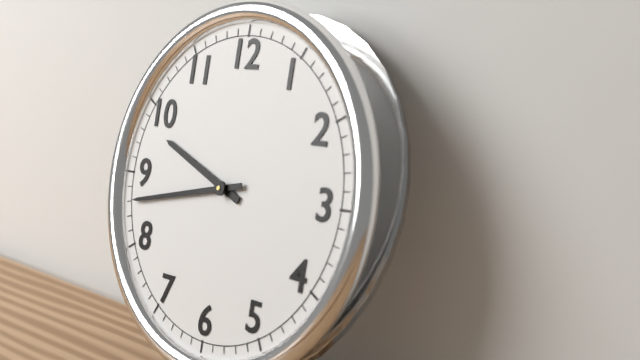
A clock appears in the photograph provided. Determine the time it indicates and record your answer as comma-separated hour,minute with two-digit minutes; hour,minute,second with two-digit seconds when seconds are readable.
9,43
